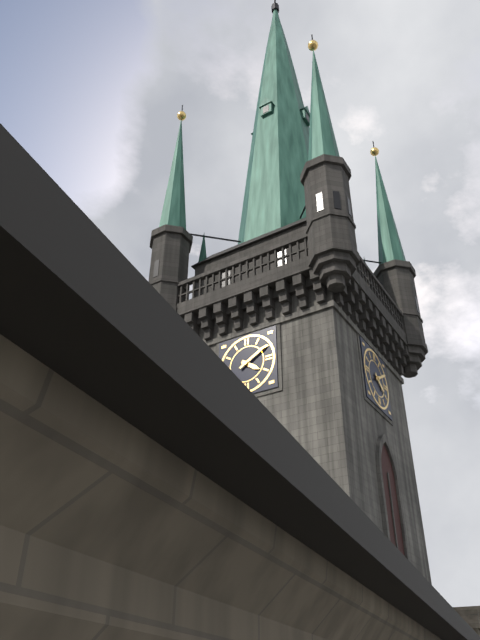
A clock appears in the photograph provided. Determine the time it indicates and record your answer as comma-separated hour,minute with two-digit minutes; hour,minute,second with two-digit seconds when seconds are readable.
4,10
